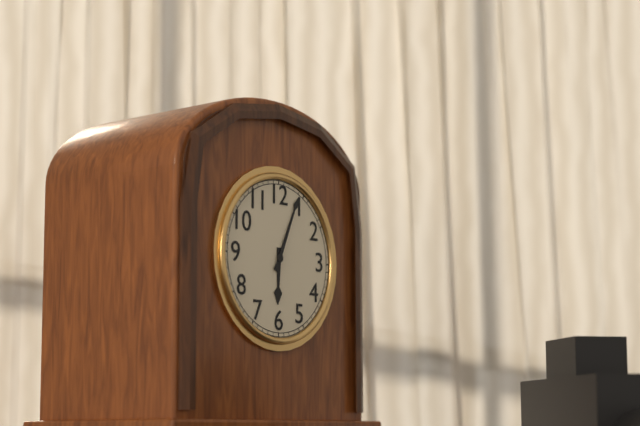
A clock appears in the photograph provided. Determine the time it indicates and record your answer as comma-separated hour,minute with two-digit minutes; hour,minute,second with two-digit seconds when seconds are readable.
6,04
